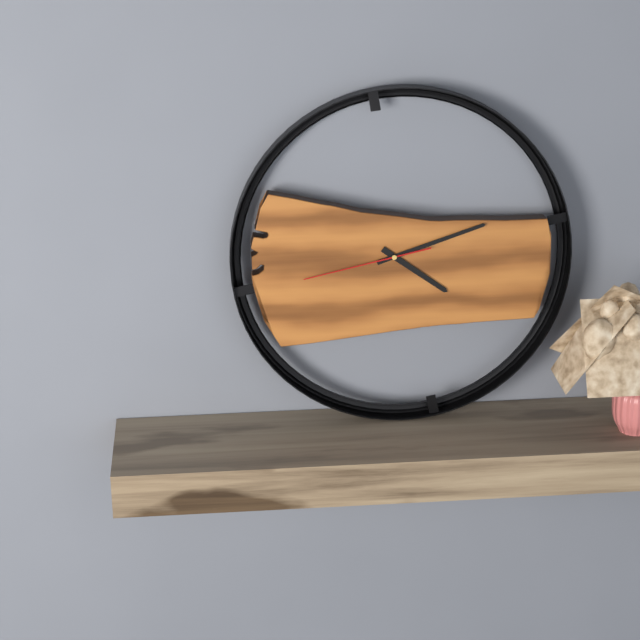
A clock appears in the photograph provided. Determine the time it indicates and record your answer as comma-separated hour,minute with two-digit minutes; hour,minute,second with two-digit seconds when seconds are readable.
4,12,43
